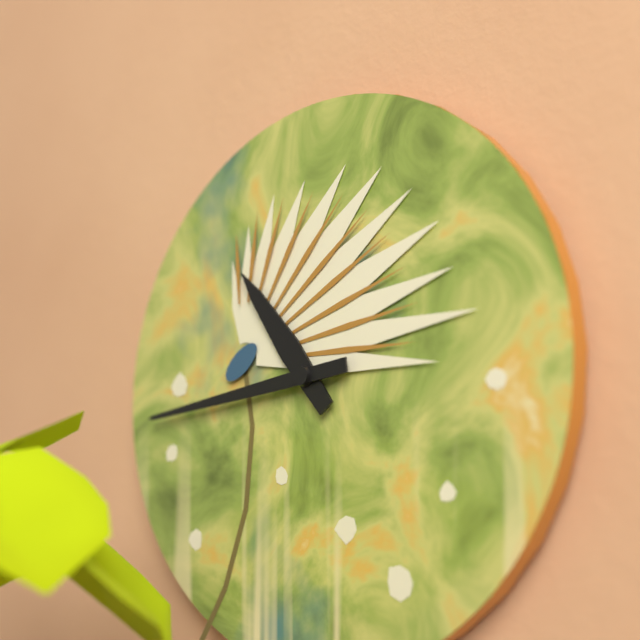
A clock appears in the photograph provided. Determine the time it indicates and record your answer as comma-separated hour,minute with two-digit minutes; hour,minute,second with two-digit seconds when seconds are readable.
10,44
